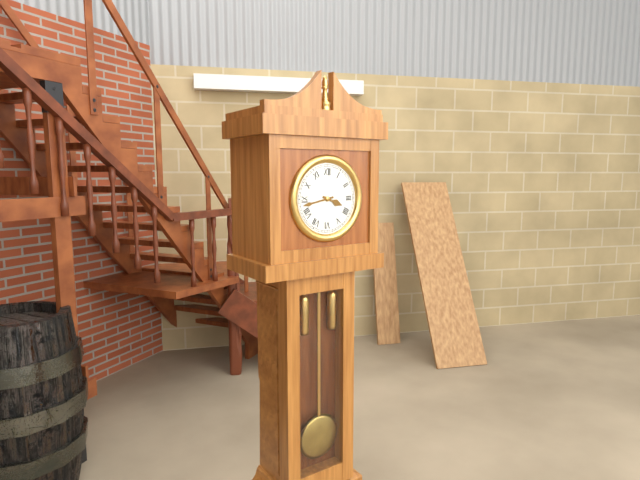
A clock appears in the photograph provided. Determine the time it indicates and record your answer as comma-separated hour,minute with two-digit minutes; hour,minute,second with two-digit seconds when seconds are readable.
3,43
